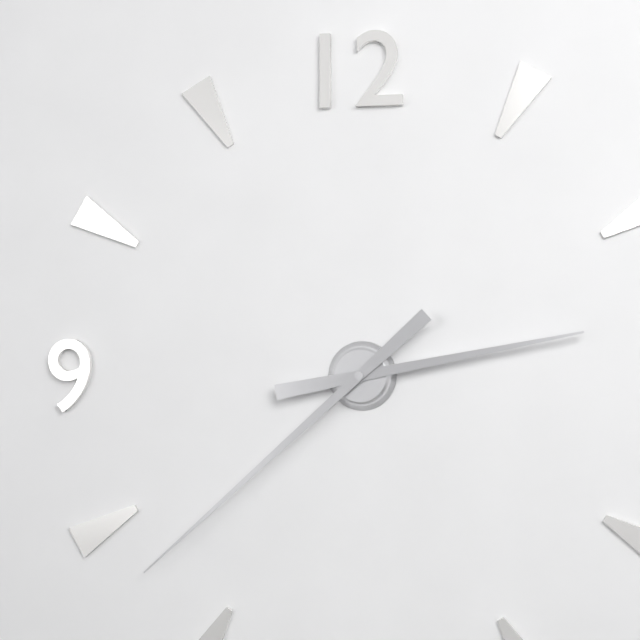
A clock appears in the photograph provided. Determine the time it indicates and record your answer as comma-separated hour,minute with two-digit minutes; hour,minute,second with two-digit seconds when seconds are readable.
2,38
